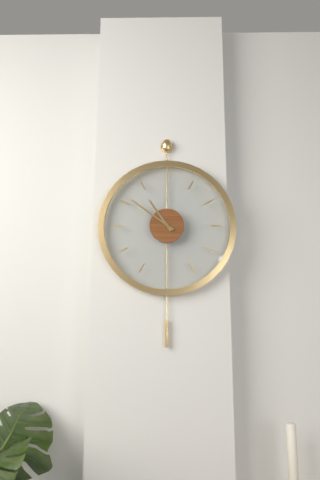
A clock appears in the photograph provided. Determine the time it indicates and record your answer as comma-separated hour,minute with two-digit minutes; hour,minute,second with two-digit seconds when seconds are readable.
10,51
